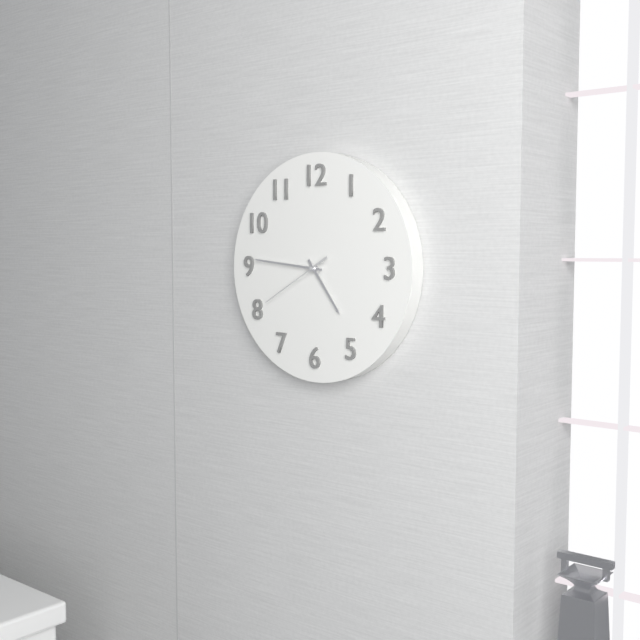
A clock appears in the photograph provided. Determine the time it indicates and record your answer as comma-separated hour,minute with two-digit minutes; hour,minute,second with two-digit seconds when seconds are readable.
4,46,40
